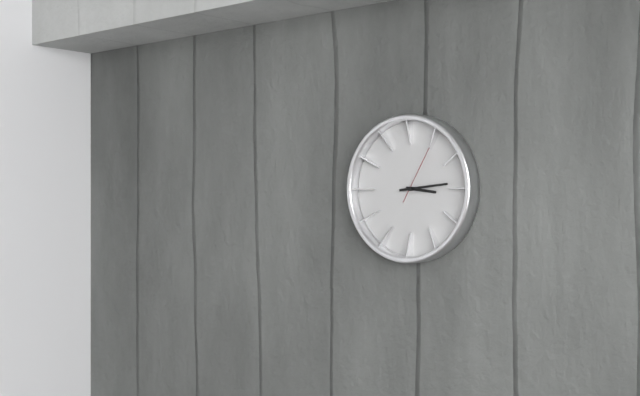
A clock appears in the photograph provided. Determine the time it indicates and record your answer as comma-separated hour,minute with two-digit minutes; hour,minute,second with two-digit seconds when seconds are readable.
3,14,05
